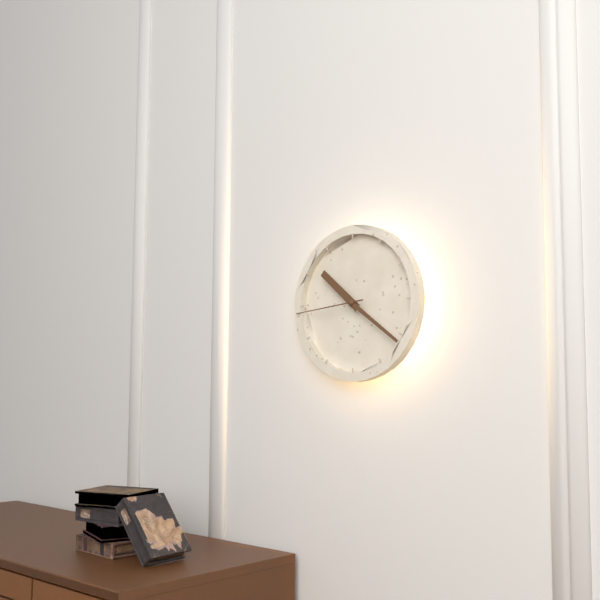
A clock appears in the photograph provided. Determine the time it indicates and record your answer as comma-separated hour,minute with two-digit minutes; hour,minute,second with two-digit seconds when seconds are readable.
10,21,44
